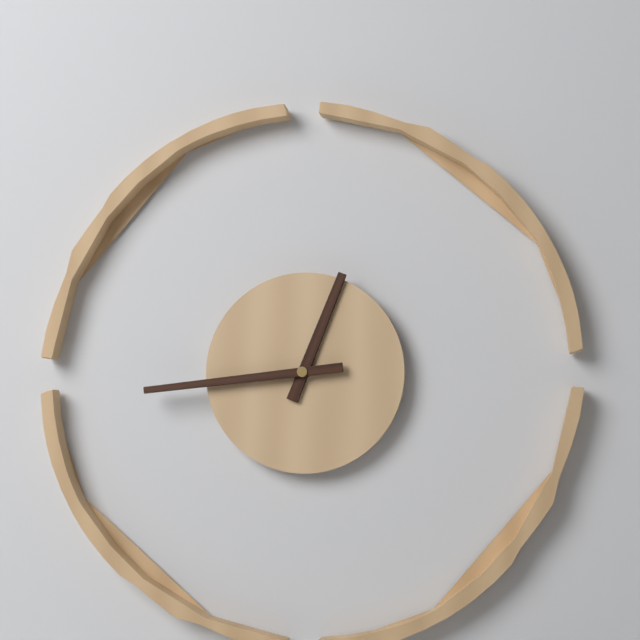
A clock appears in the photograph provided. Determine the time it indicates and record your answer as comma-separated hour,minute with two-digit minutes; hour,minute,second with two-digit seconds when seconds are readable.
12,44
